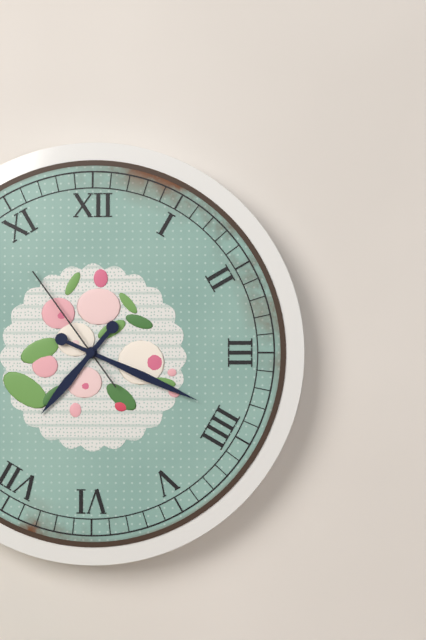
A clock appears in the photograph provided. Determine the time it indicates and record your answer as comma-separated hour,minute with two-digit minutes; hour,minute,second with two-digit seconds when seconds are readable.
7,19,54
